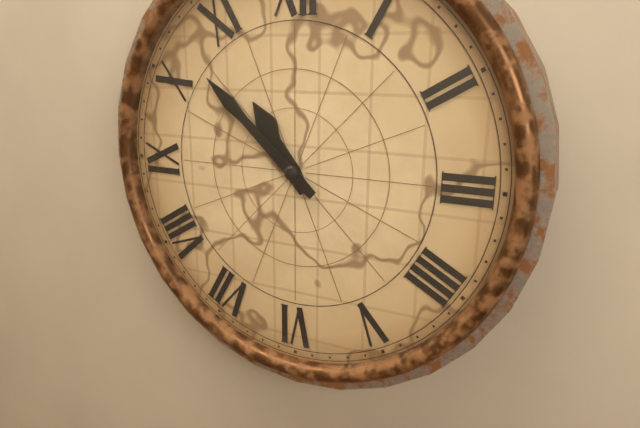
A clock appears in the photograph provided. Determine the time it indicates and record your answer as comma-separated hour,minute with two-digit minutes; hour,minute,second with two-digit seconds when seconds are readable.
10,52
